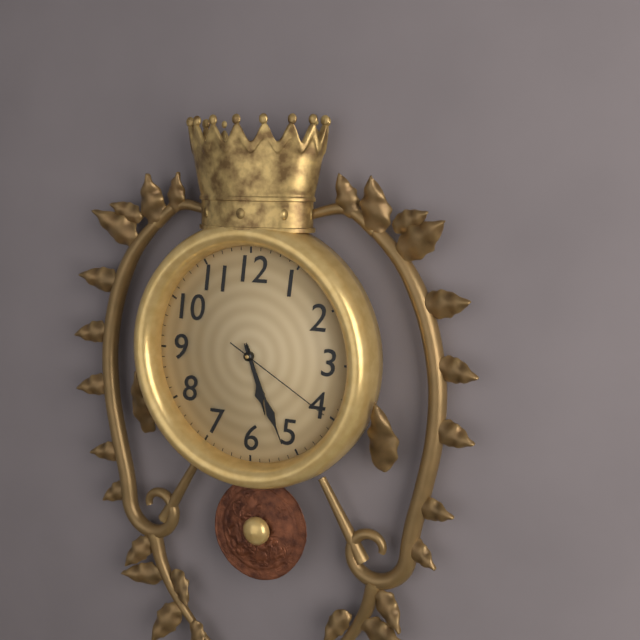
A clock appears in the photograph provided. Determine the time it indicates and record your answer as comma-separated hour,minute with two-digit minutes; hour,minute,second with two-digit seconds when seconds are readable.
5,26,20
